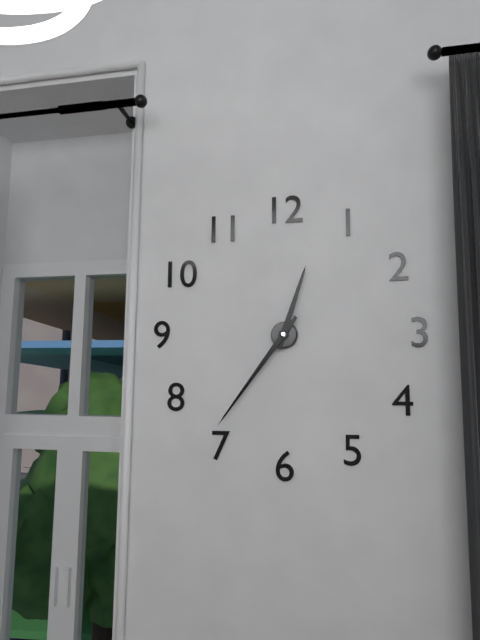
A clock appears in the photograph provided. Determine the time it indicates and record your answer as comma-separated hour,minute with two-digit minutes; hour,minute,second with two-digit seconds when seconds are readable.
12,36
